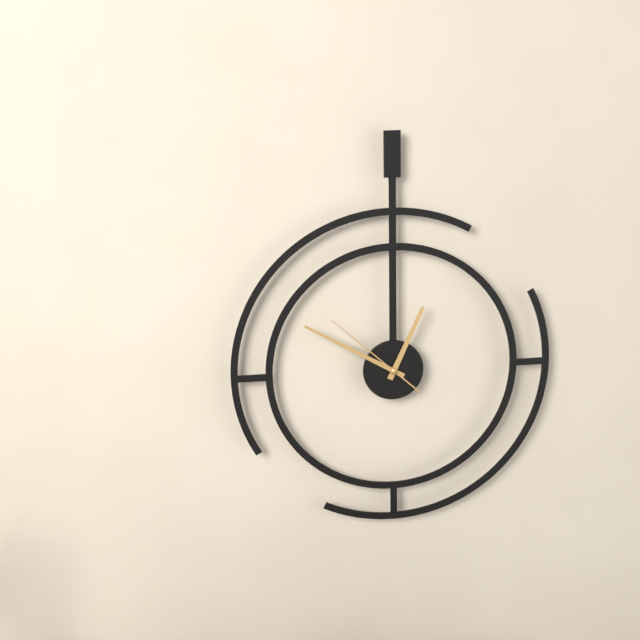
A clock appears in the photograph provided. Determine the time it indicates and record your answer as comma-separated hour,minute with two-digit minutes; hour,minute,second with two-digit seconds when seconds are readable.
12,50,52
